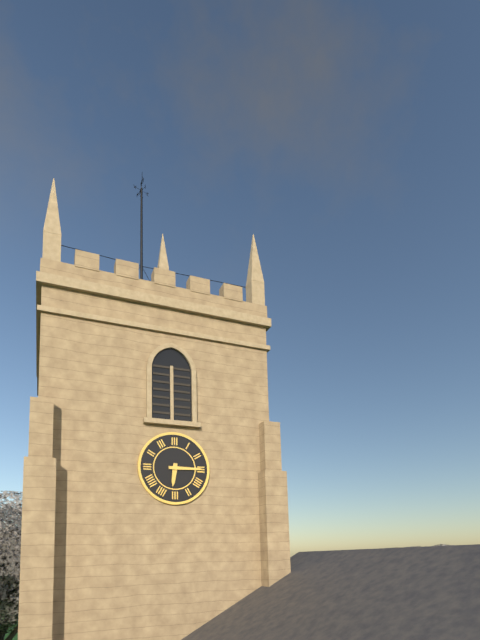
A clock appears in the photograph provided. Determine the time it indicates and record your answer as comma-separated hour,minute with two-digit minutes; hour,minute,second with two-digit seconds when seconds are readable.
6,15
